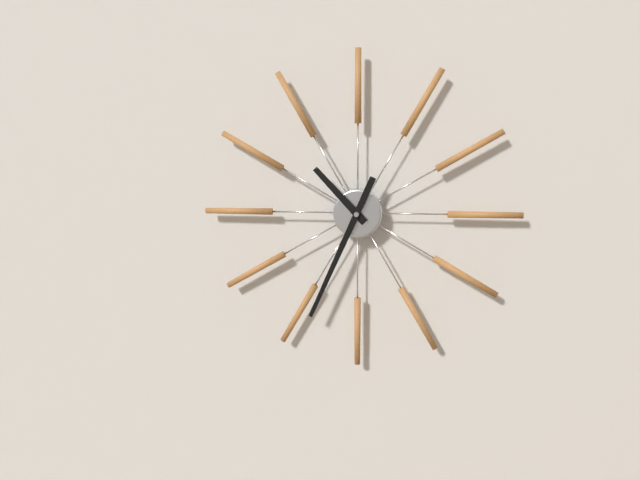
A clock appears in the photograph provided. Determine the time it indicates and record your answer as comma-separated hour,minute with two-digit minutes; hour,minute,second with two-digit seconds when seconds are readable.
10,34
